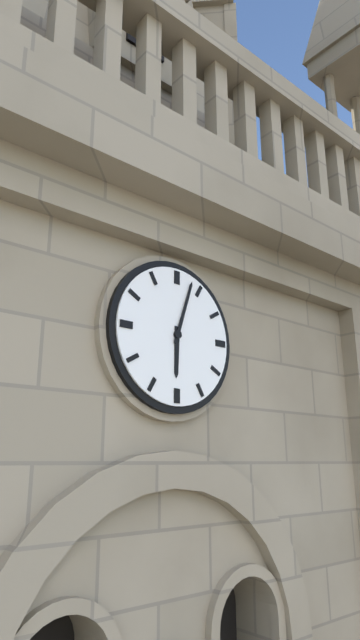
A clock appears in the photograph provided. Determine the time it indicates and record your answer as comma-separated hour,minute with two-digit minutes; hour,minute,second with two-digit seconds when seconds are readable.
6,03
